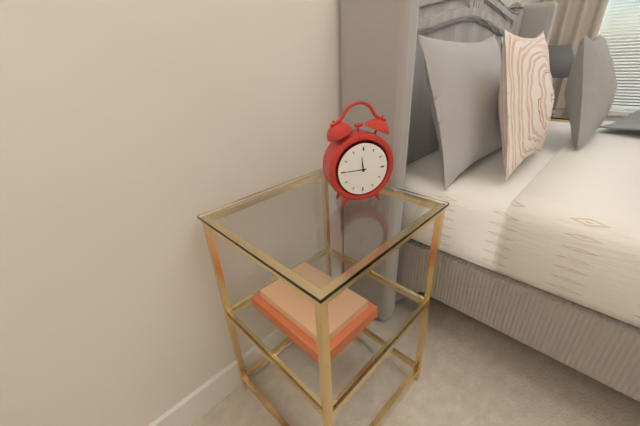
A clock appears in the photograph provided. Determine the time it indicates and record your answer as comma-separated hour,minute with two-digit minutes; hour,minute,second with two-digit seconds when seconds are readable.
11,45
